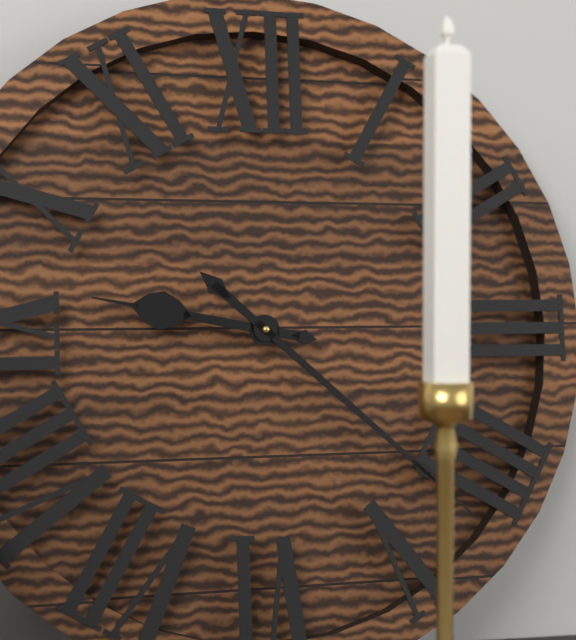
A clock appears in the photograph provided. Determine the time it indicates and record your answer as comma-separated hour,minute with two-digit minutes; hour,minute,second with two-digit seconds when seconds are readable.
9,22
